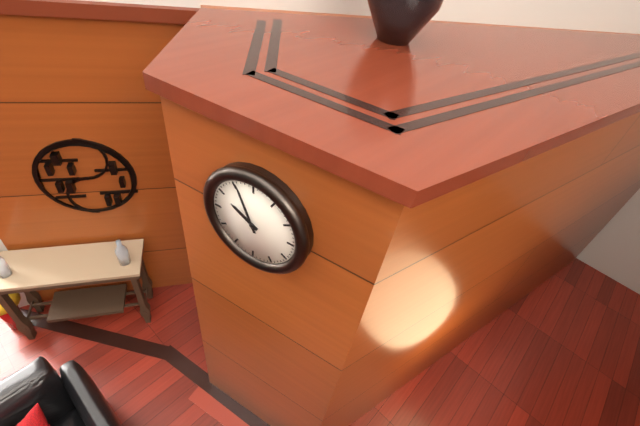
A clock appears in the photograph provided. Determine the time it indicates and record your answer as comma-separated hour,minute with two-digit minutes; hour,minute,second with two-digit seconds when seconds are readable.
9,56
